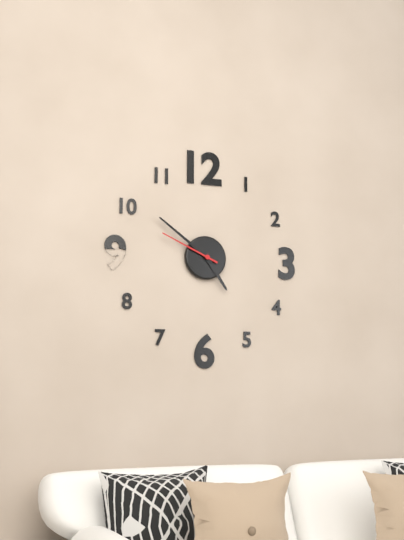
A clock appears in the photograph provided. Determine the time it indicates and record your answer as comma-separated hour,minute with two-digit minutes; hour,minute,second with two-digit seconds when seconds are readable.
4,51,49
